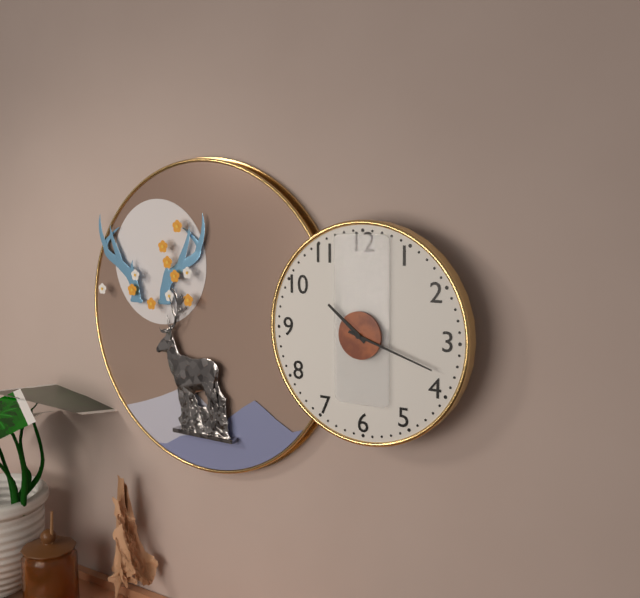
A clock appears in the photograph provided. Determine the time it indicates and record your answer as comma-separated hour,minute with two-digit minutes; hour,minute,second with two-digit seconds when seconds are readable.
10,18
